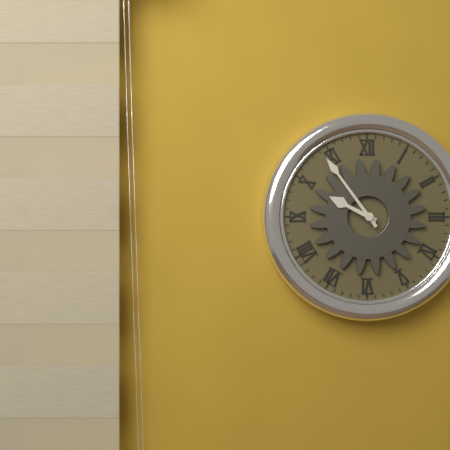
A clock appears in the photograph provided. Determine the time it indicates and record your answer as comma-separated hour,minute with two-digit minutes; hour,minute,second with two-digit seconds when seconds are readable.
9,54
